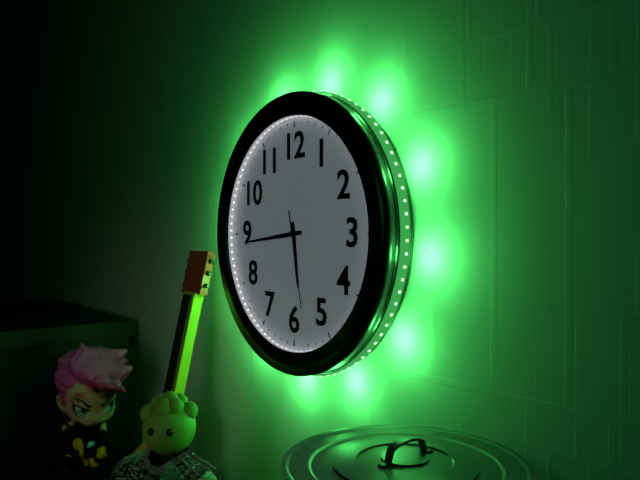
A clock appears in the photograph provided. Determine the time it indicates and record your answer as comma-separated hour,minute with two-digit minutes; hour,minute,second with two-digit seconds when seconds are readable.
5,44,28
